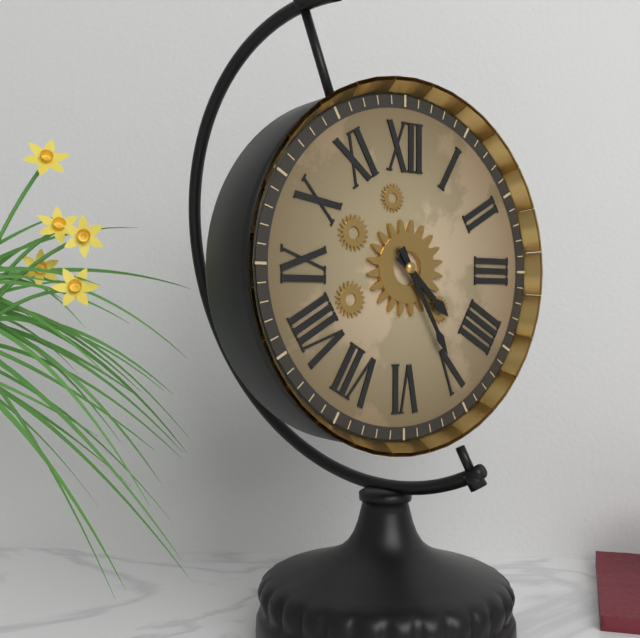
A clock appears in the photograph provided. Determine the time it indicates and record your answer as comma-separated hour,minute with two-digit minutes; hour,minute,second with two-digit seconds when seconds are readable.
4,25
